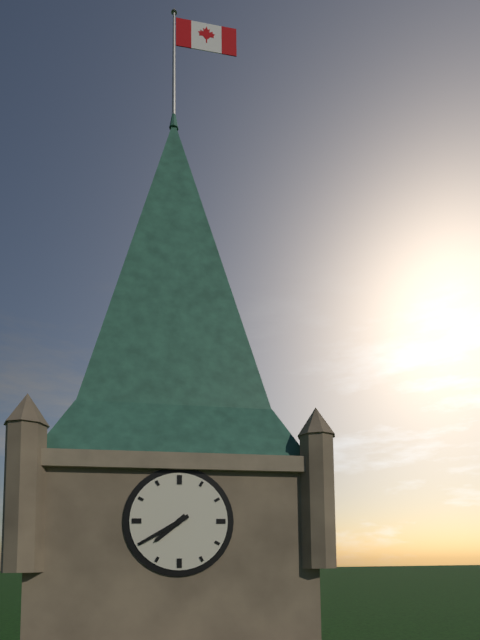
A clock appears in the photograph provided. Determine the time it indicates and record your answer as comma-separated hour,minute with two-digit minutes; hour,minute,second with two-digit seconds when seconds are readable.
7,40
